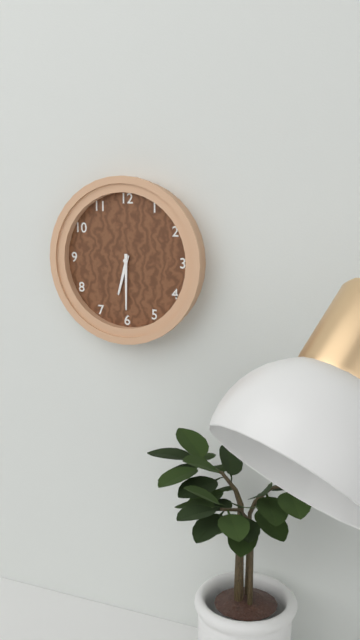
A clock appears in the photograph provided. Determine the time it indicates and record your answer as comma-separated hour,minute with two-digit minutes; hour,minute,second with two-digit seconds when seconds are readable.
6,30
